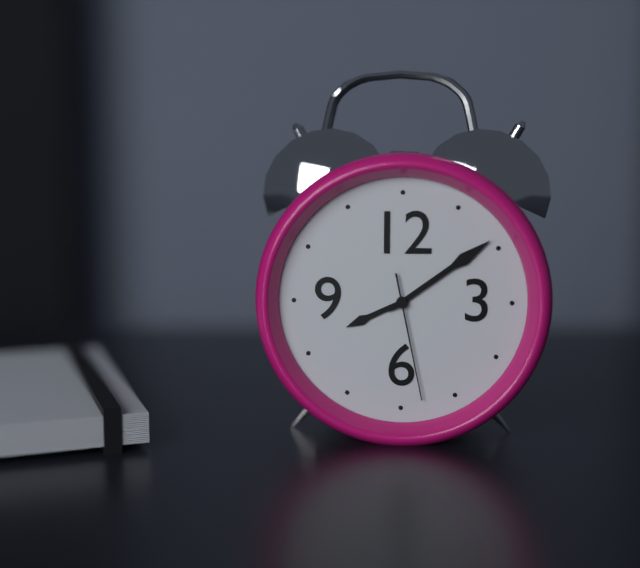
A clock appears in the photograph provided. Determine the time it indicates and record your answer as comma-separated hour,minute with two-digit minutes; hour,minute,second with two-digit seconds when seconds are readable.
8,09,28
